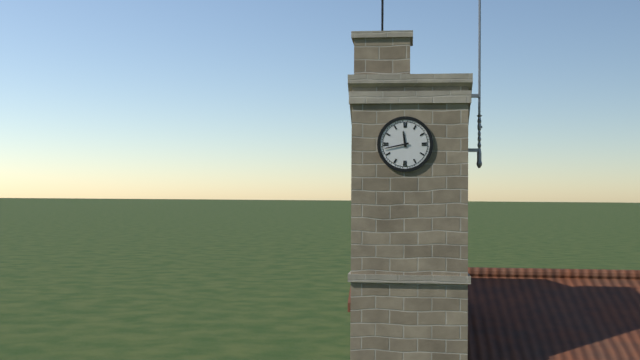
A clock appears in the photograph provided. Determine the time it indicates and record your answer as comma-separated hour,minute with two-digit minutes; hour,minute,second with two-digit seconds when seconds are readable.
11,43
